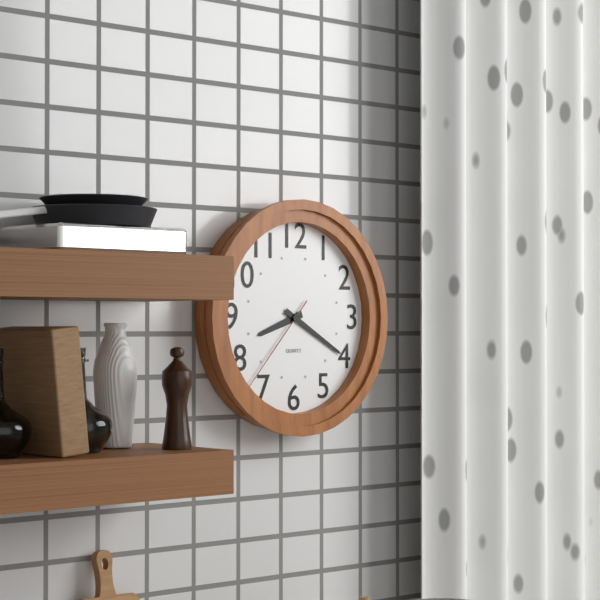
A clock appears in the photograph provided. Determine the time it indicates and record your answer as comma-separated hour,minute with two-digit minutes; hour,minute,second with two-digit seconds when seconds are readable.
8,20,37
